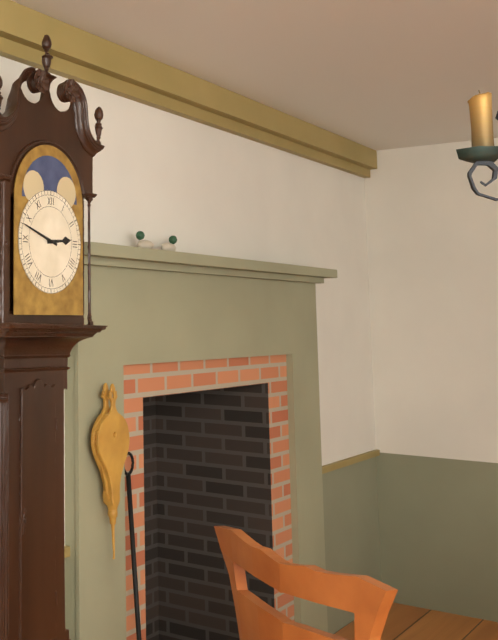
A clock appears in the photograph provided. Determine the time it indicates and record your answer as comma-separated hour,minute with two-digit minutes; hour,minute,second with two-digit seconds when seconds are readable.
2,48
